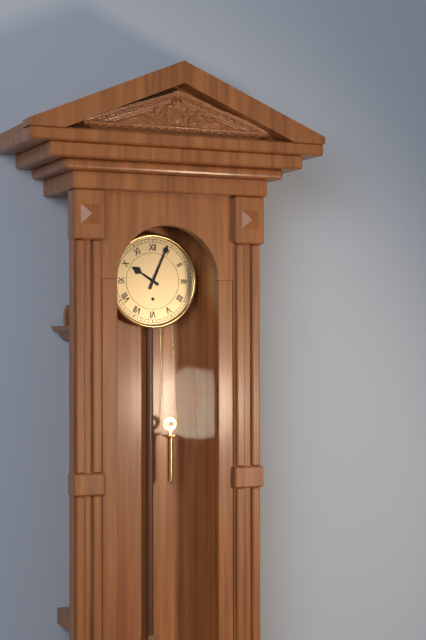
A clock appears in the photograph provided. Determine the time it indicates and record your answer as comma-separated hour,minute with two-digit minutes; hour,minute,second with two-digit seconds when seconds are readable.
10,04
